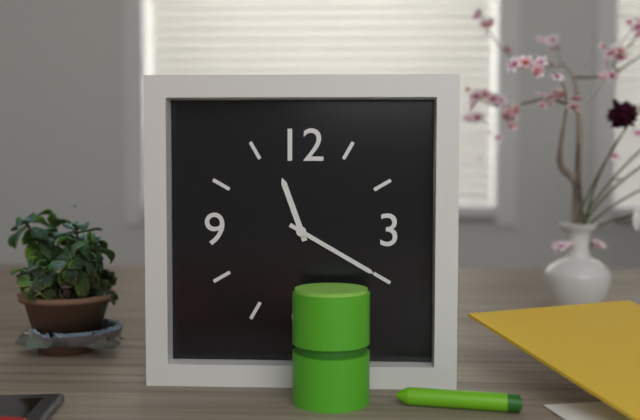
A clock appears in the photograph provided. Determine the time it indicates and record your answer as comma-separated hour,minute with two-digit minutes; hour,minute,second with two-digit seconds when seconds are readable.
11,20
